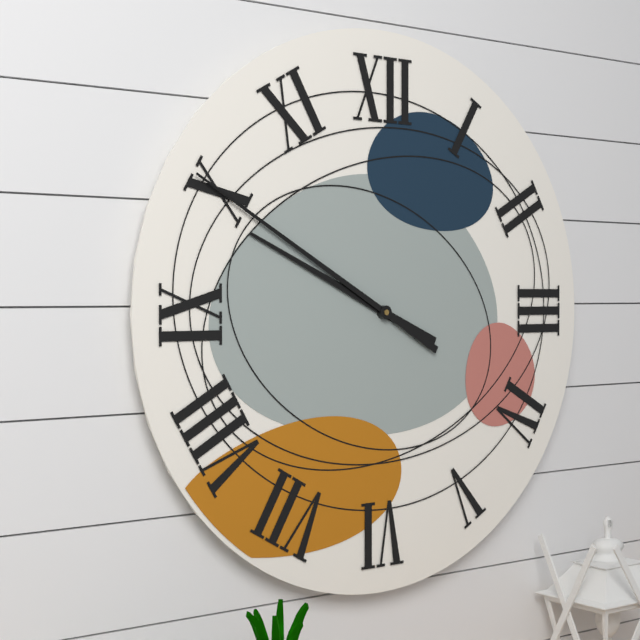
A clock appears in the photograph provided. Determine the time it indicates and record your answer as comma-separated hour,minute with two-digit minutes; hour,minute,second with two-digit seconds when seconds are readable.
9,50
